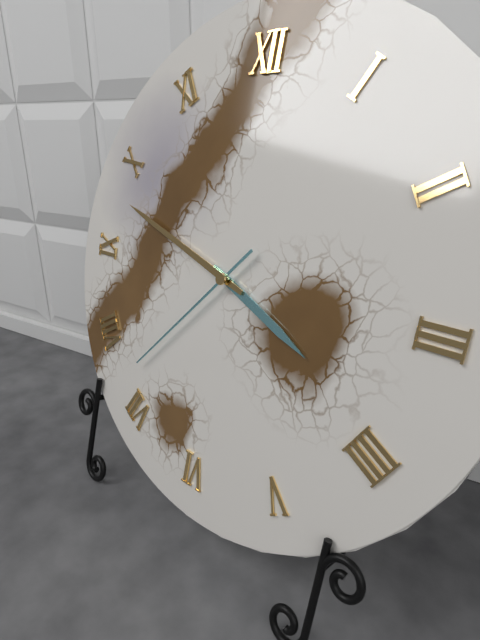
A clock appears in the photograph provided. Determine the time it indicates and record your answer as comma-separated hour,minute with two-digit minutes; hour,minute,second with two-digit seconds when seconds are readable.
3,48,37
